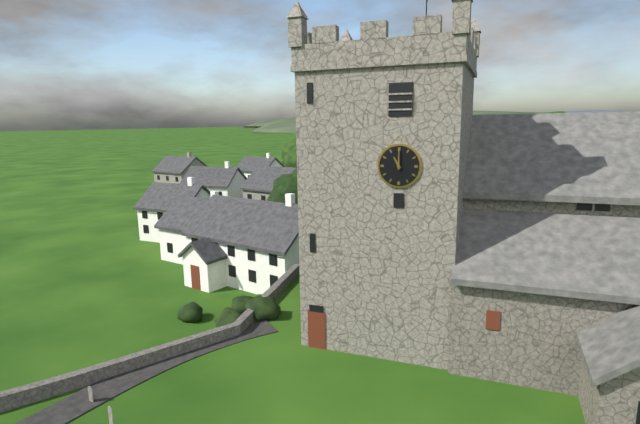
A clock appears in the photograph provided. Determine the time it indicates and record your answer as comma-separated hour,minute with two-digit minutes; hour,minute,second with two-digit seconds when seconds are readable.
11,00
